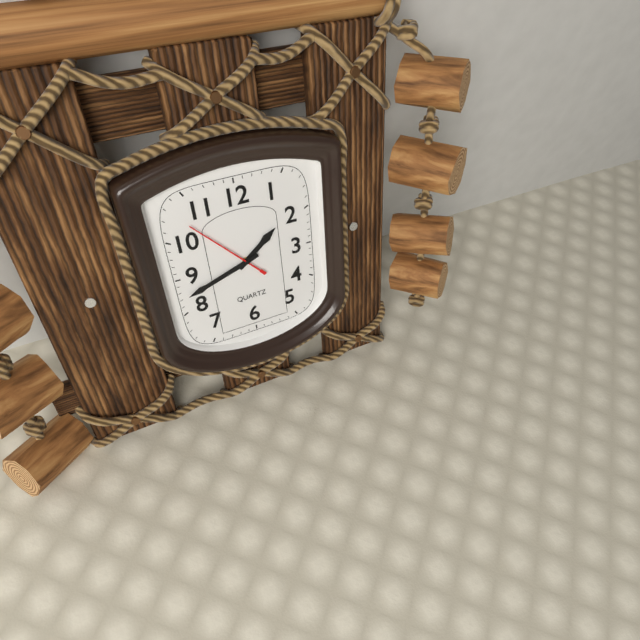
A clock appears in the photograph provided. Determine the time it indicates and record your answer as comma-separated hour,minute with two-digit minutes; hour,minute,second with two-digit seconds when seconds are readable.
1,42,53
